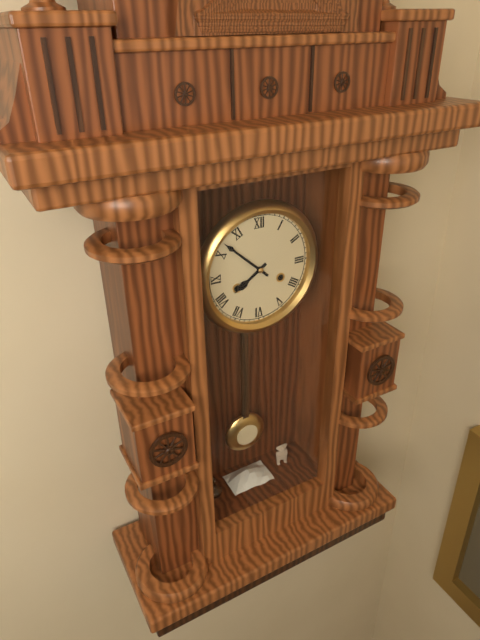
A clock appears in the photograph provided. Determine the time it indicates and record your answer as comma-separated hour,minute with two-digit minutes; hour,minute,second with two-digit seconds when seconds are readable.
7,52
